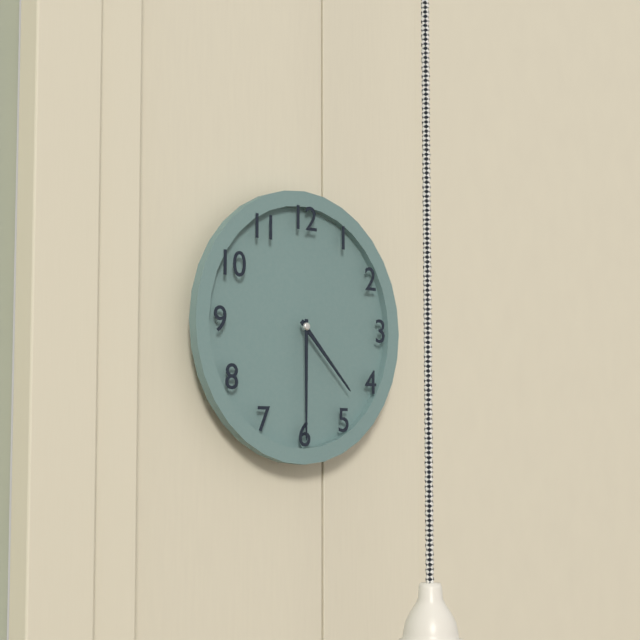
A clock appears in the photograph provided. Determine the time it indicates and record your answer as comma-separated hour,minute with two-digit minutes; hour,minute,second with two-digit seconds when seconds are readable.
4,30
